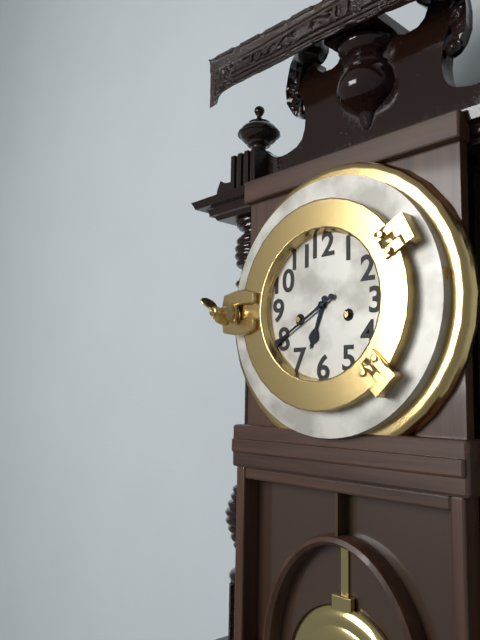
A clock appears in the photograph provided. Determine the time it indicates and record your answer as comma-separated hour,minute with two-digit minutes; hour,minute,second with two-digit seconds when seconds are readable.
6,40
